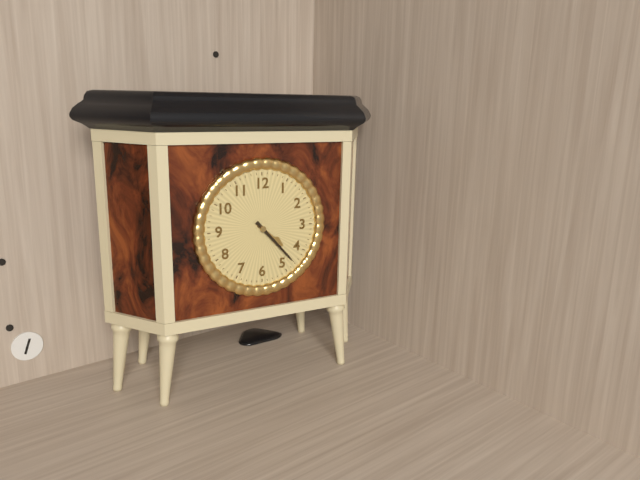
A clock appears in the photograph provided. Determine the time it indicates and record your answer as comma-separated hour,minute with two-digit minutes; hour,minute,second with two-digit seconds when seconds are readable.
4,23
